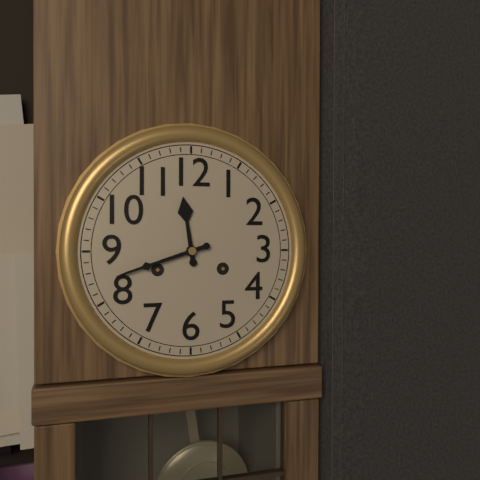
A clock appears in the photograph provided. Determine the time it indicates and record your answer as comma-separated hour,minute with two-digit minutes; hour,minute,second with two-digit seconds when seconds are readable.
11,42
